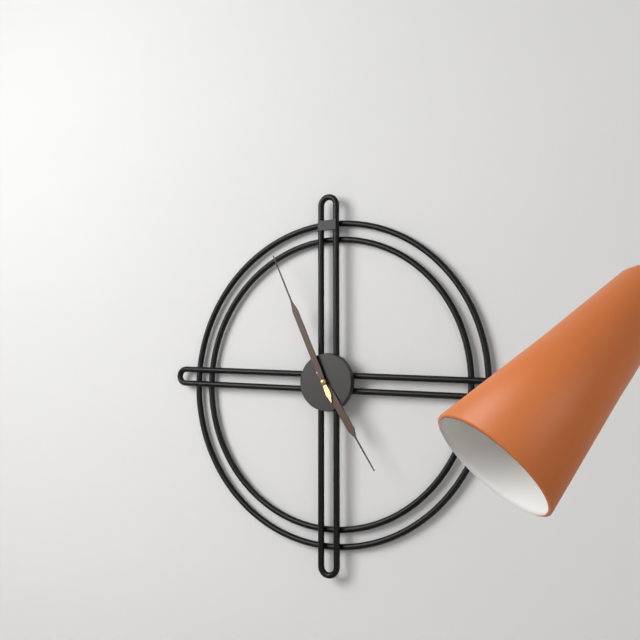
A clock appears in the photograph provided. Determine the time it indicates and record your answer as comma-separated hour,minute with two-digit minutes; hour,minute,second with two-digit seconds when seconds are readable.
4,56
